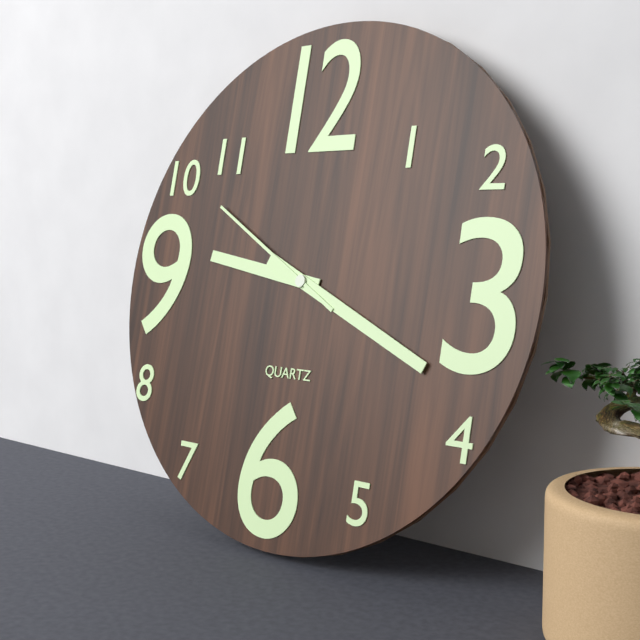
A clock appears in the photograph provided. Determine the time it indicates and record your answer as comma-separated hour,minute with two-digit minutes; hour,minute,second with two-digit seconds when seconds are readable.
9,19,50
